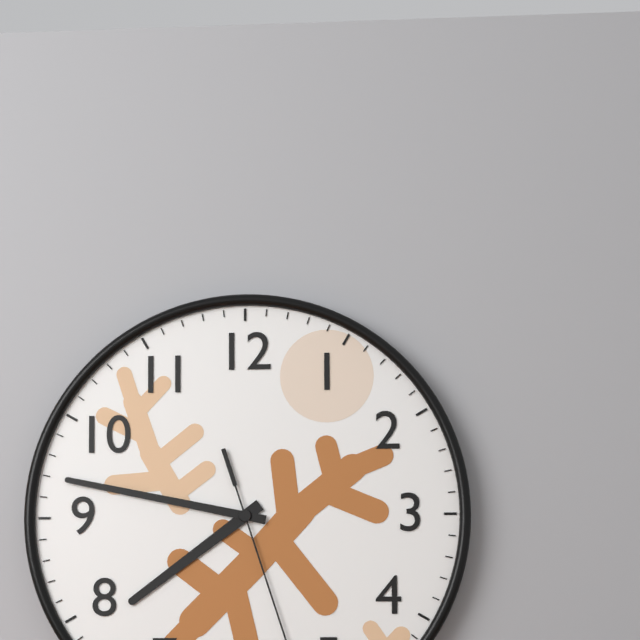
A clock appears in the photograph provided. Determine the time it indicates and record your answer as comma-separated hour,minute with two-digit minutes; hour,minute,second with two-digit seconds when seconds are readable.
7,47
